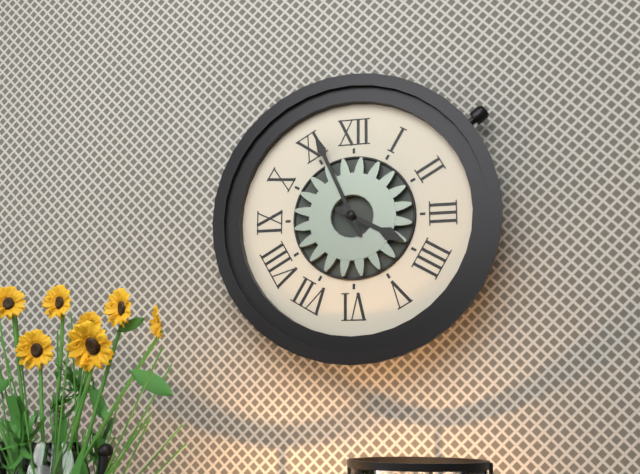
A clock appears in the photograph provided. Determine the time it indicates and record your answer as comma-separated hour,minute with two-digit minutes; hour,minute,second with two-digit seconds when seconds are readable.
3,56
